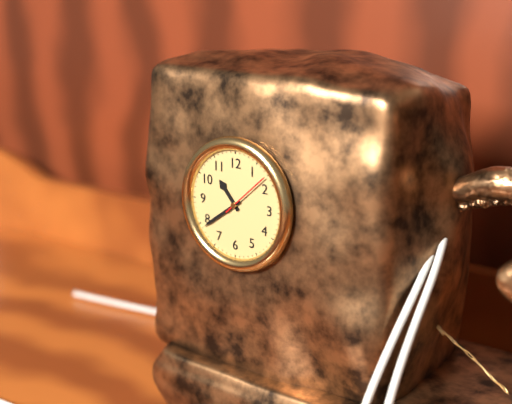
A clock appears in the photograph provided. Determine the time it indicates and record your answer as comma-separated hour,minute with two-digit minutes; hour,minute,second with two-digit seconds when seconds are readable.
10,39,08
